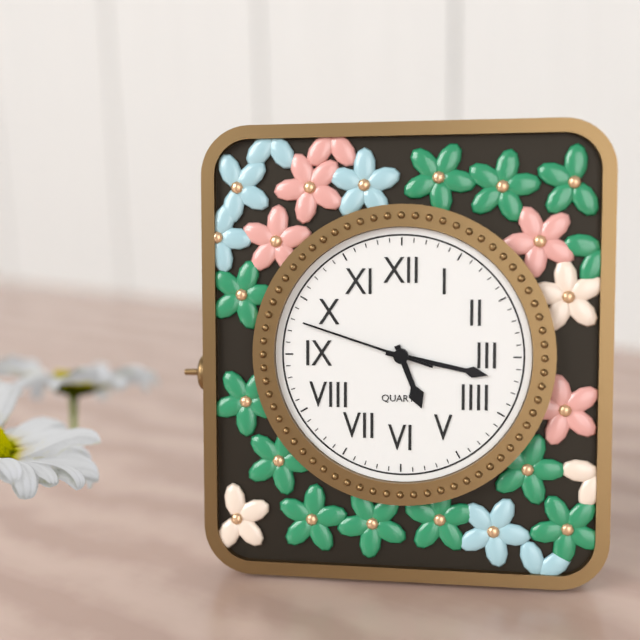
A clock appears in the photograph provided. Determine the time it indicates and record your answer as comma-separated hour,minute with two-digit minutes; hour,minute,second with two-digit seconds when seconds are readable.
5,17,48
